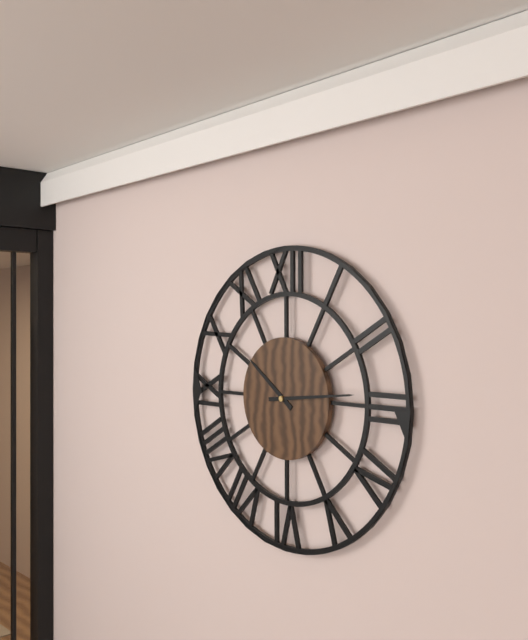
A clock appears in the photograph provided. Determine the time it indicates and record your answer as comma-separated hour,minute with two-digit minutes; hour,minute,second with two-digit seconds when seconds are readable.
10,14
